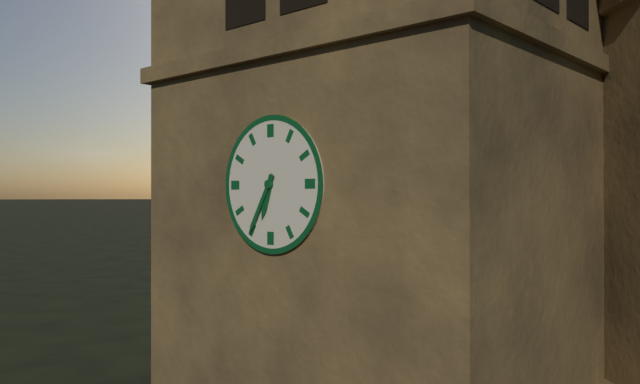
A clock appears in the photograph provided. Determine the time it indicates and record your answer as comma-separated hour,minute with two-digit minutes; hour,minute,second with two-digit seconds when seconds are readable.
6,35
